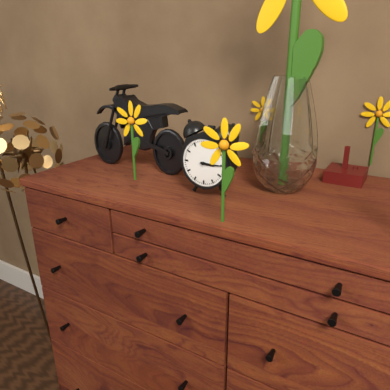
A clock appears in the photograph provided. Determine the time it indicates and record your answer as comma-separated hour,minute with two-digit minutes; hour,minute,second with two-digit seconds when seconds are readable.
3,15
